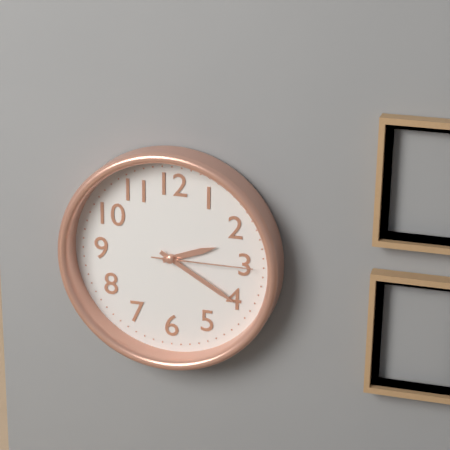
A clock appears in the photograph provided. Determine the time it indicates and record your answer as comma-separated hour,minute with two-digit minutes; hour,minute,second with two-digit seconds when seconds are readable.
2,20,15
